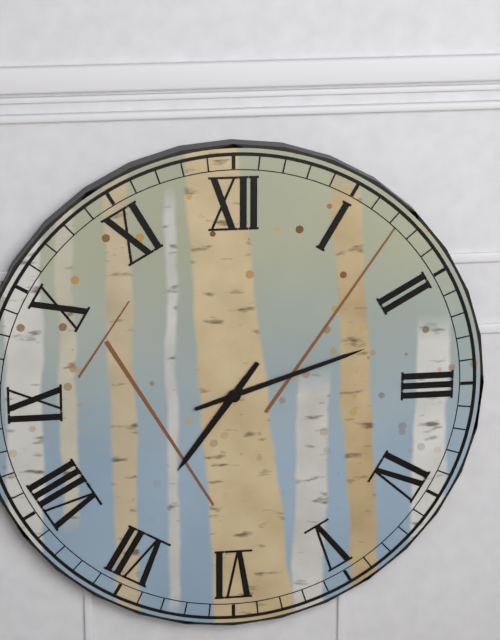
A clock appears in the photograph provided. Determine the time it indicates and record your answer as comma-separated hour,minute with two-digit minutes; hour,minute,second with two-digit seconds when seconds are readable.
7,12
